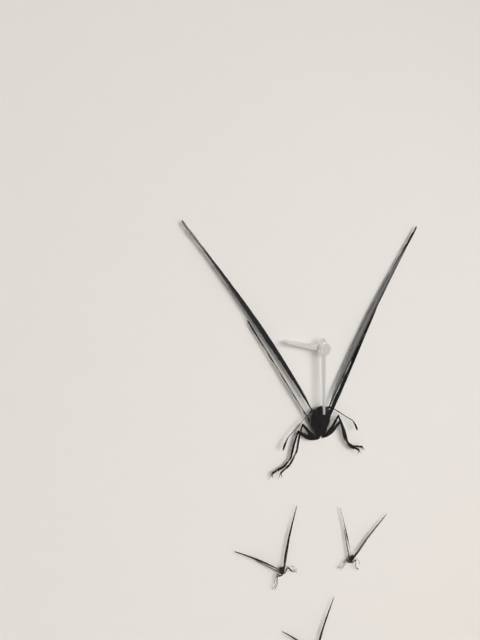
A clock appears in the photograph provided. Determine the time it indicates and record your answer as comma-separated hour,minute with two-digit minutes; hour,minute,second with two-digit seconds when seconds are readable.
9,30
